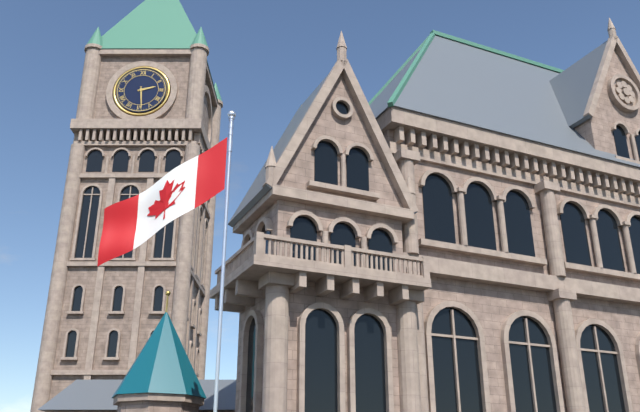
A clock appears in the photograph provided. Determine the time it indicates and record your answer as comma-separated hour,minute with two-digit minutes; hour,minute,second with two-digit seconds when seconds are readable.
2,29
